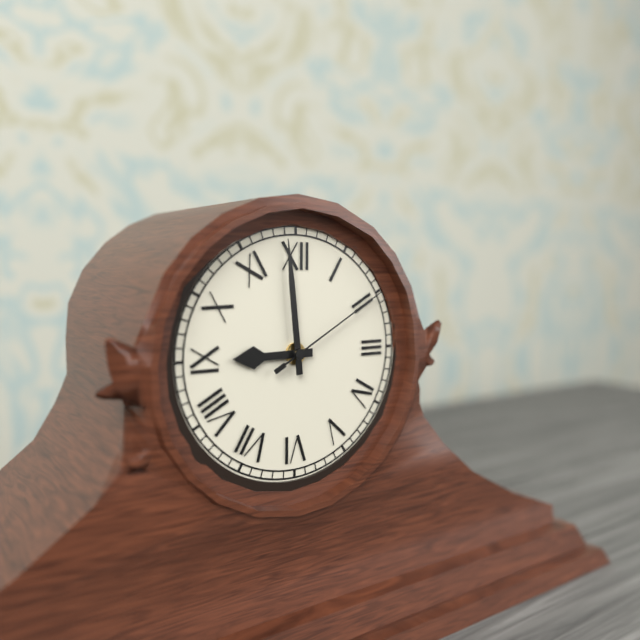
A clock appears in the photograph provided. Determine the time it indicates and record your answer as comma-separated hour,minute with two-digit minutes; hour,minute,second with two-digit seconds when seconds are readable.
8,59,10
